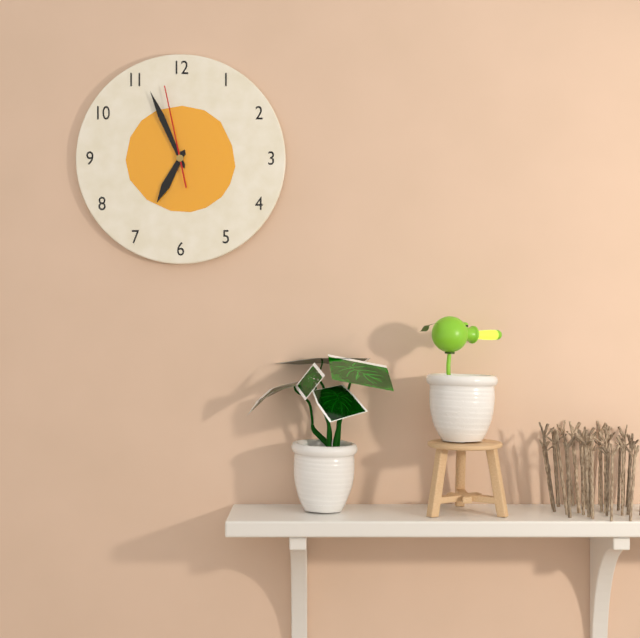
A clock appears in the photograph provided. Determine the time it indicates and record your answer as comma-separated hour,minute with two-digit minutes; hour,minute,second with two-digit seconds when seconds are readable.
6,56,58
